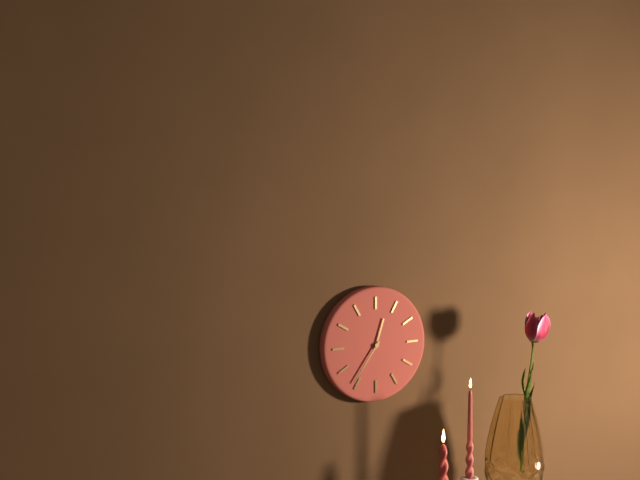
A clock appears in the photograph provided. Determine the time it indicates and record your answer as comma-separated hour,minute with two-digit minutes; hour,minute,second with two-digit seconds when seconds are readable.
12,36
